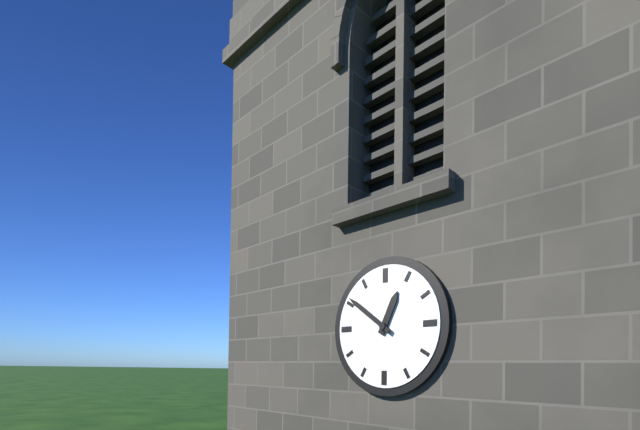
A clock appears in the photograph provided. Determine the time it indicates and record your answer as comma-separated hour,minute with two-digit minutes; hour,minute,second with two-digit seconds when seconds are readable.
12,51
